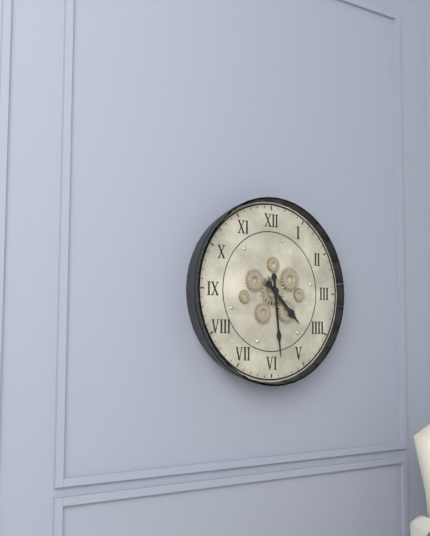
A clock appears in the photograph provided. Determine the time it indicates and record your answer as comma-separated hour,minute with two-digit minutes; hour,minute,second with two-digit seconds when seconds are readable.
4,29
